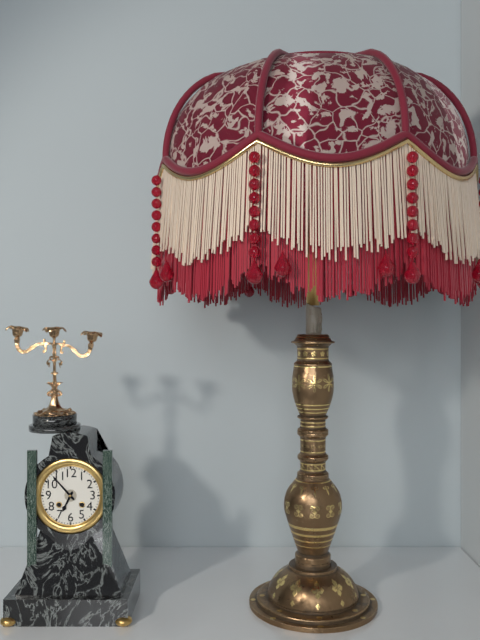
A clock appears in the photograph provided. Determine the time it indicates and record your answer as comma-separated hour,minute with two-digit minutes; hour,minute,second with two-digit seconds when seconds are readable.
6,53
